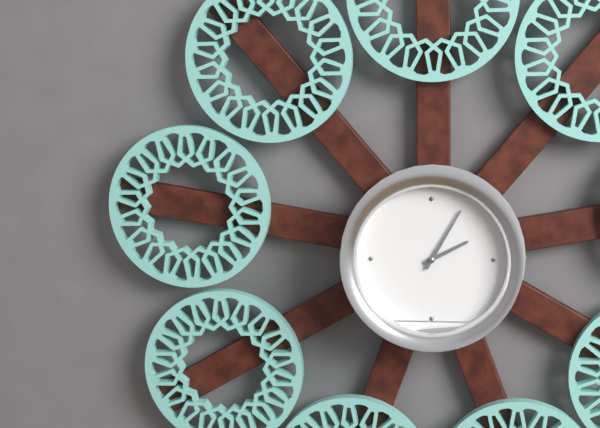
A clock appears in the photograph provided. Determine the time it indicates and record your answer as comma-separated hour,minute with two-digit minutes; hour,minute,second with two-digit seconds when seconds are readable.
2,05
